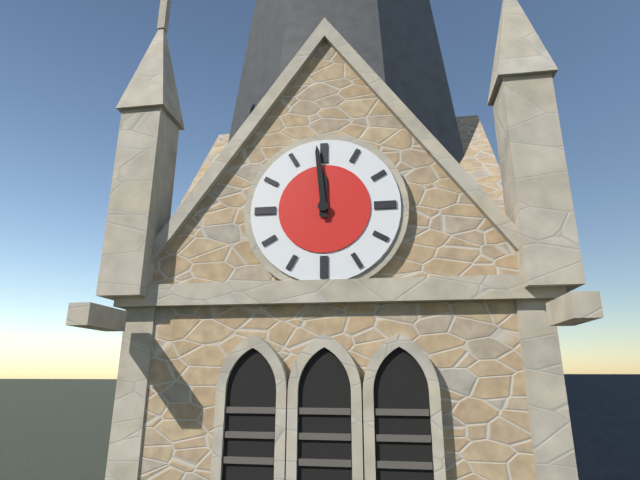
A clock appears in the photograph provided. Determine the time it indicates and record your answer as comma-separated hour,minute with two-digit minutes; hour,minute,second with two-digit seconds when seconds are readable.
11,59
